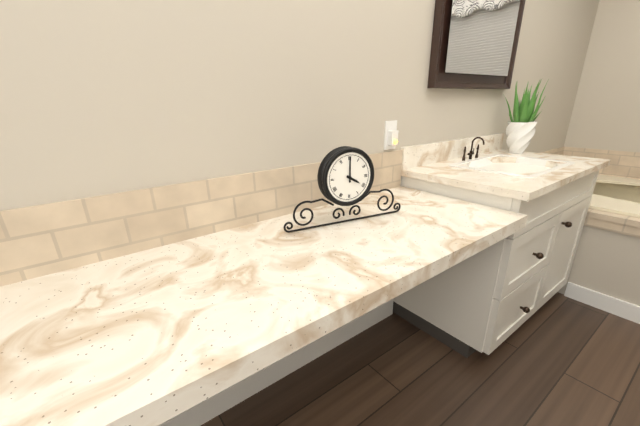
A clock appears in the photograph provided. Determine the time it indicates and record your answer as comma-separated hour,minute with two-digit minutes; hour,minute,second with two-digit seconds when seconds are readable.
4,00
